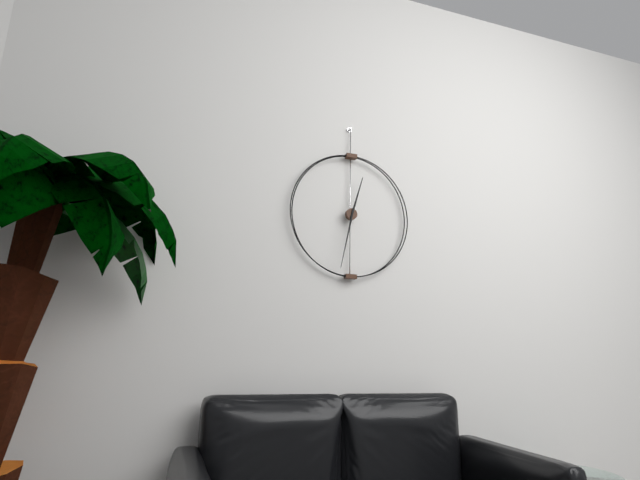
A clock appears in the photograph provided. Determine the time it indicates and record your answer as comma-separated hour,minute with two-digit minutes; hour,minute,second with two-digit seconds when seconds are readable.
12,32
